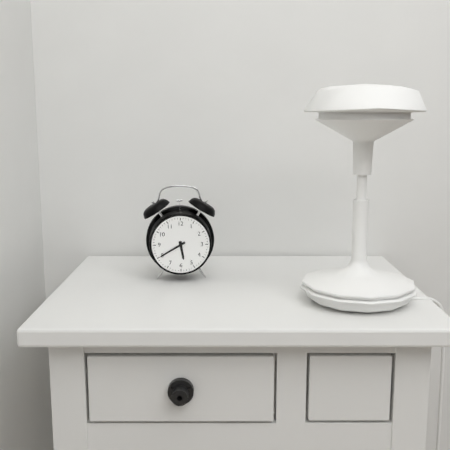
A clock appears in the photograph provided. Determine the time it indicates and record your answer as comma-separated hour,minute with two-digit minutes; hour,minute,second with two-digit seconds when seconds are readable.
5,40
